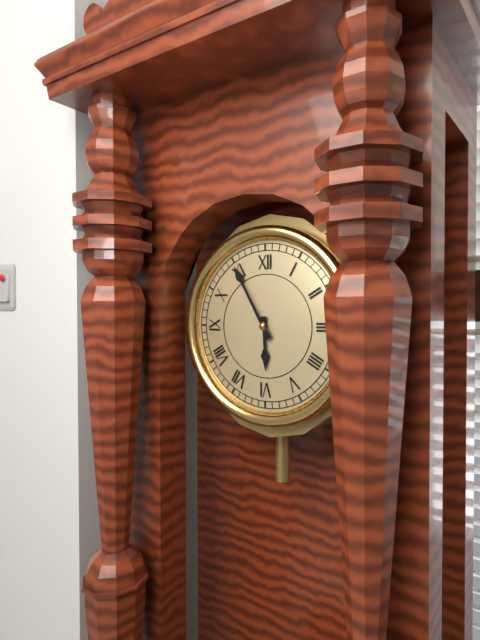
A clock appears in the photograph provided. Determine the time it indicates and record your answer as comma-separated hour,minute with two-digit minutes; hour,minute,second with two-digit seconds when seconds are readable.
5,55
